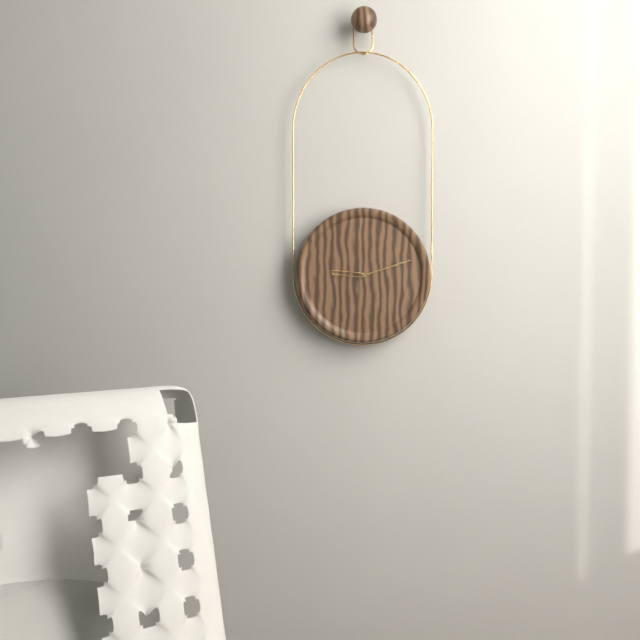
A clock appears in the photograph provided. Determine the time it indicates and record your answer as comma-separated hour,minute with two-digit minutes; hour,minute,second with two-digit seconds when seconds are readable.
9,12
